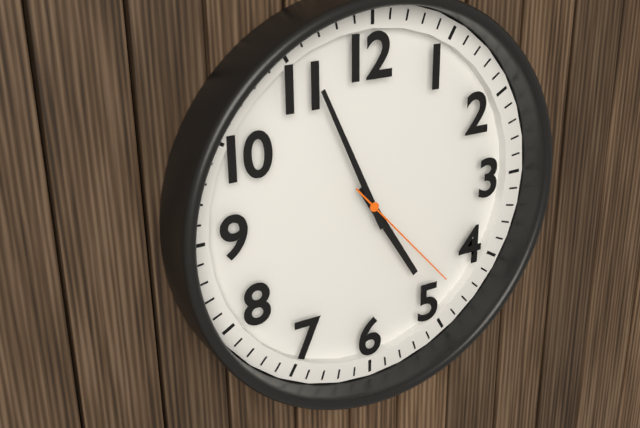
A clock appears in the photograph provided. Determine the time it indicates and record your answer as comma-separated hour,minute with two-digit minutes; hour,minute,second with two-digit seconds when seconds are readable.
4,56,23
